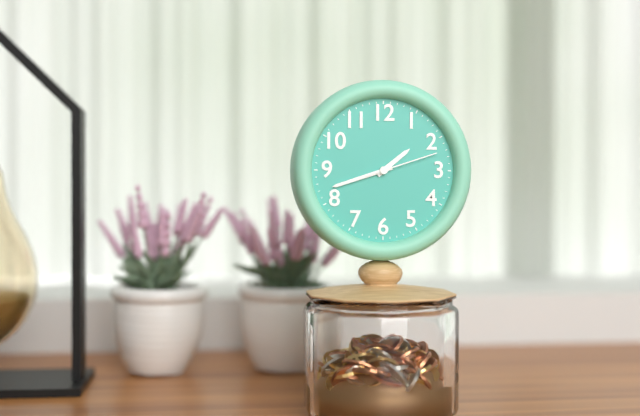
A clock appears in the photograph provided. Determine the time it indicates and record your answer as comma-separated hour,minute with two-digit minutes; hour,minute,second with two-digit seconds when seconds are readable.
1,42,12
